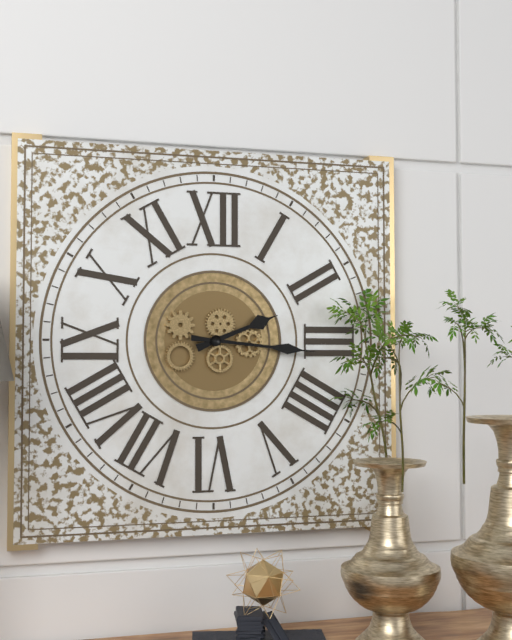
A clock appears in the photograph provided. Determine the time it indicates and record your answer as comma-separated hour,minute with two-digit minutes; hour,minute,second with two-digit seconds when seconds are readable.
2,16
